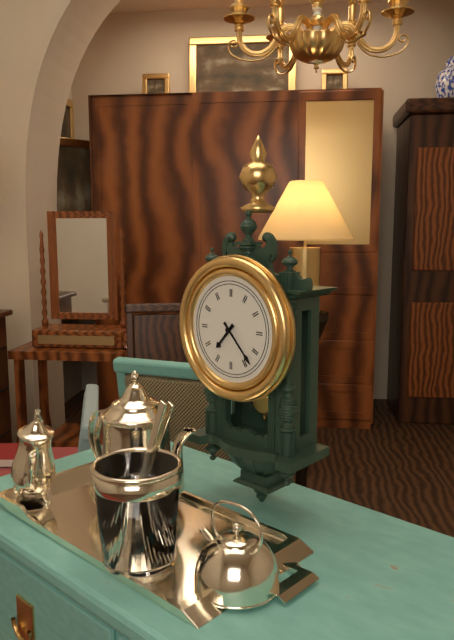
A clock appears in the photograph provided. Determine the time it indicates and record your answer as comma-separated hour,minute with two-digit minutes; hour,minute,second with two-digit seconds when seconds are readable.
7,23
